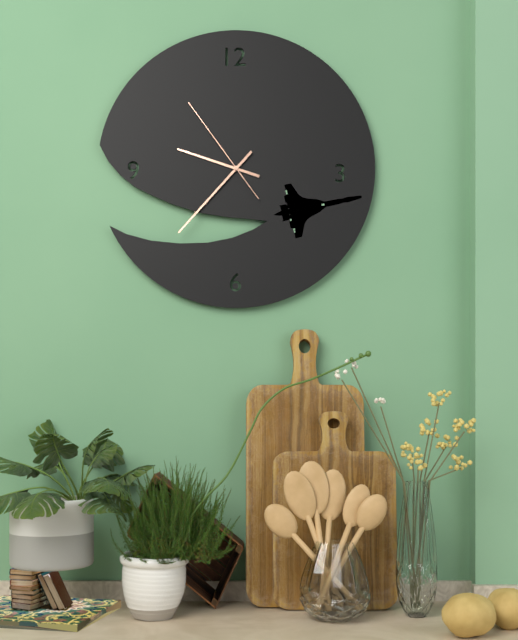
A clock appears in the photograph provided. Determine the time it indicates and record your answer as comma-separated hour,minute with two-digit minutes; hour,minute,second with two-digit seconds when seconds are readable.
9,37,54
